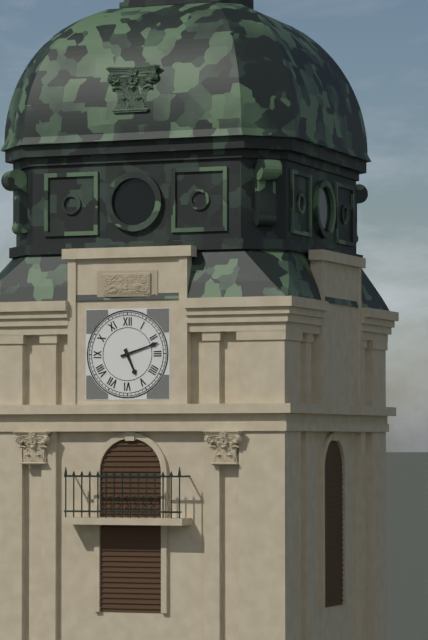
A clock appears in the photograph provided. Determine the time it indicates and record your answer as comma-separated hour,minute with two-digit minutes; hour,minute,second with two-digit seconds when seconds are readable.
5,12
